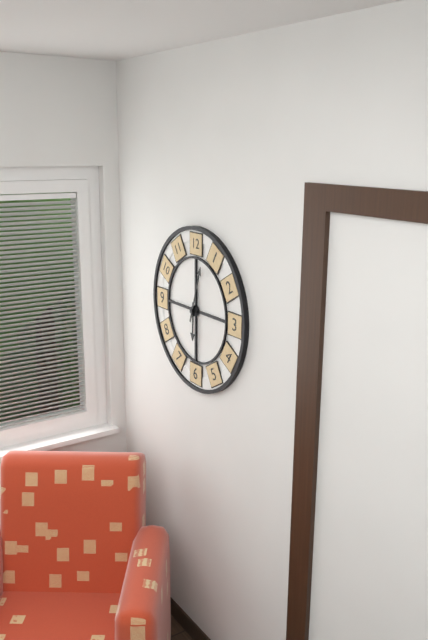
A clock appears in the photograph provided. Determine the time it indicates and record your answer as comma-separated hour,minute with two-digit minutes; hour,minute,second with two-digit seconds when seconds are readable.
6,03
